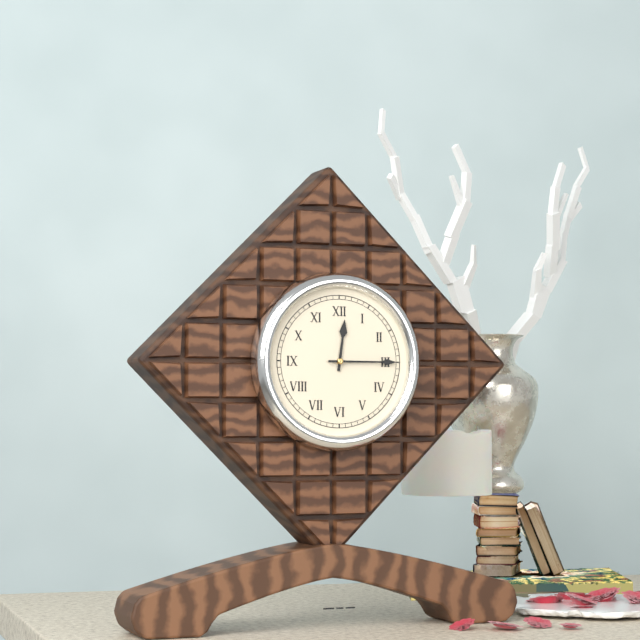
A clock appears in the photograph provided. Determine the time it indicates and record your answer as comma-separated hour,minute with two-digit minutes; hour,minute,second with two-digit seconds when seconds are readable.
12,15
